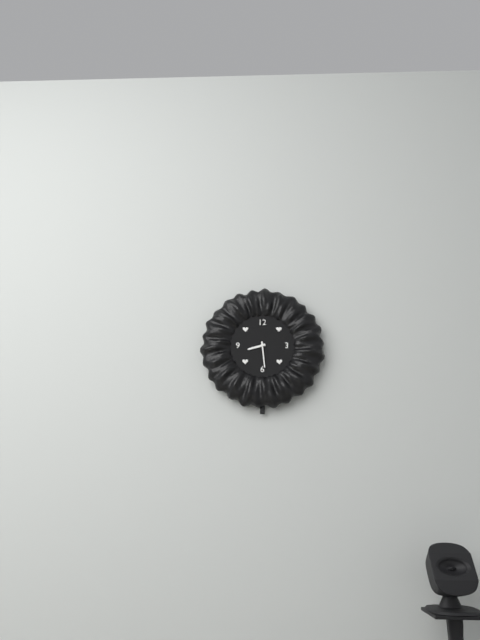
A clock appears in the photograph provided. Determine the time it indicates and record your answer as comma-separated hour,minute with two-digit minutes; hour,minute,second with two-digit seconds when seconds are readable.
8,29
